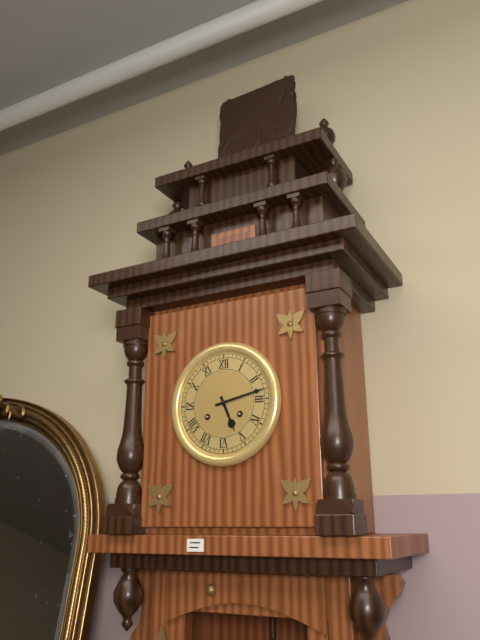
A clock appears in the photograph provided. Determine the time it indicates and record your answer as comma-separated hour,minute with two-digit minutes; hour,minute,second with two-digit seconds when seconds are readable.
5,13
